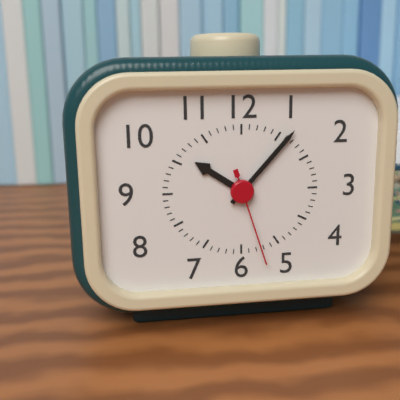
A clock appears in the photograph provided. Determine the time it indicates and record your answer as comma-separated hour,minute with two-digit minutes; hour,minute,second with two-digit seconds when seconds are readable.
10,07,27
